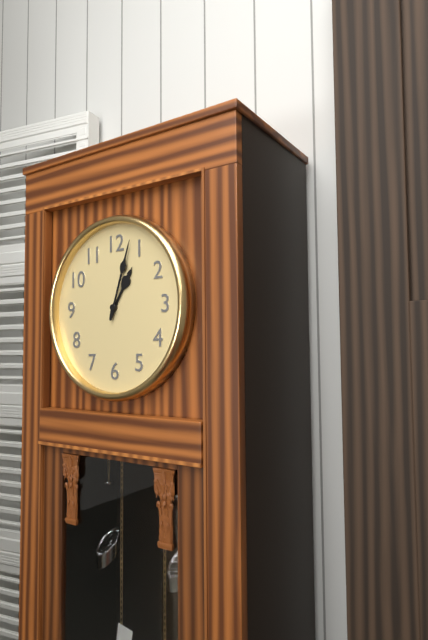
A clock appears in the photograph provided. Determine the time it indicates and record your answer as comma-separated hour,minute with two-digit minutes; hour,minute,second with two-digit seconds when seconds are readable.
1,03
